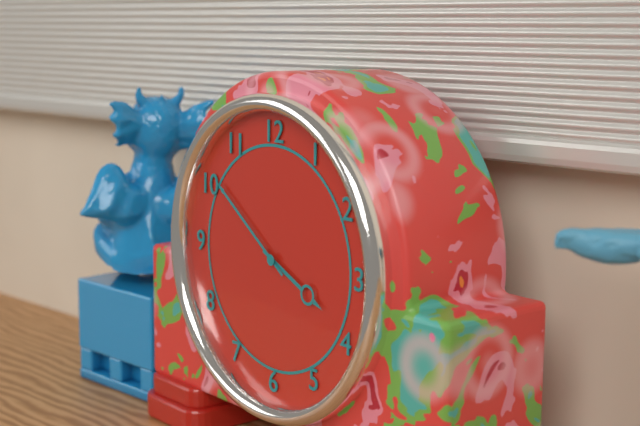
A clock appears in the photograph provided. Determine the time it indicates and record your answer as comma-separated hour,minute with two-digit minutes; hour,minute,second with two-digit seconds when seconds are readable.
3,51
